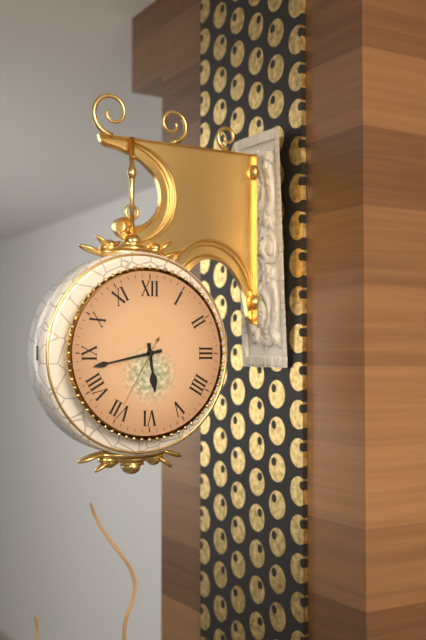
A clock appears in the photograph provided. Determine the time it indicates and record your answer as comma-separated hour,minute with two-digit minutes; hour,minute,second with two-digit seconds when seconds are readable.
5,43,35
